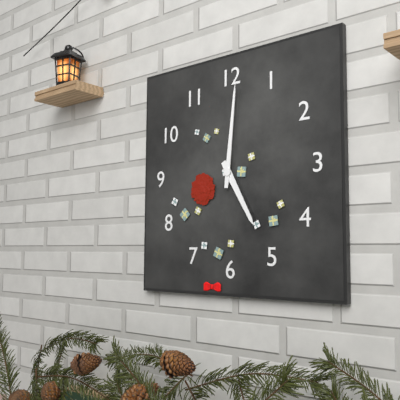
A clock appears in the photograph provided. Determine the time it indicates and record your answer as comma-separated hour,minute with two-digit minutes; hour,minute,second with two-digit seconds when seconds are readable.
5,01
